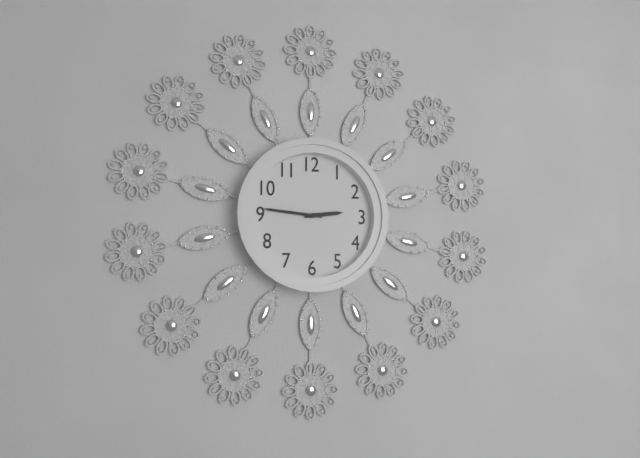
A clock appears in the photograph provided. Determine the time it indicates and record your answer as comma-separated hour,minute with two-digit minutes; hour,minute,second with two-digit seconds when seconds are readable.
2,46
